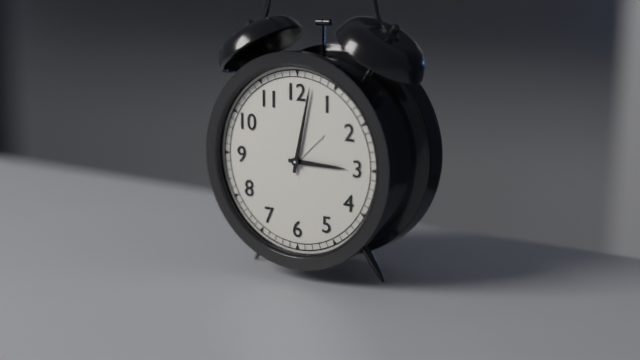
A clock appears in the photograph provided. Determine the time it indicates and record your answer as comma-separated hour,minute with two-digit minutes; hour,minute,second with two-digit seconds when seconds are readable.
3,02
